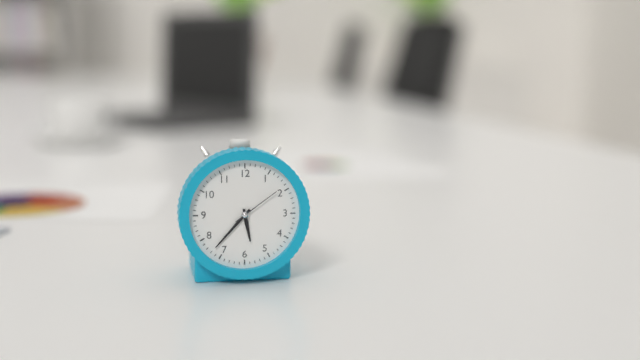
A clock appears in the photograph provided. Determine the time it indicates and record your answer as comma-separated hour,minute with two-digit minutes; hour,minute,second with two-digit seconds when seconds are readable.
5,37
